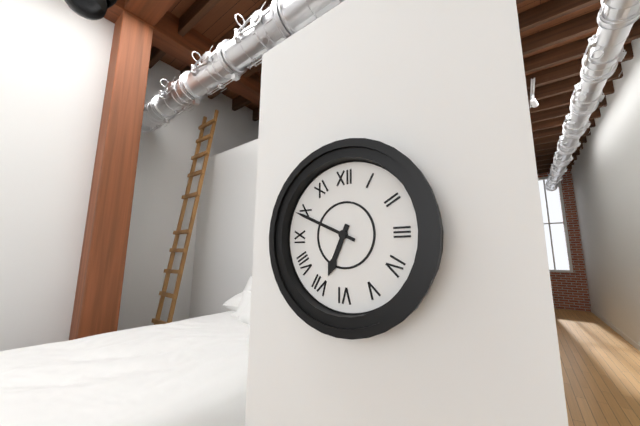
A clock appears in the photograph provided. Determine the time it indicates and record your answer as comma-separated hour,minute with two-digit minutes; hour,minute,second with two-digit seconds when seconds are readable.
6,49
